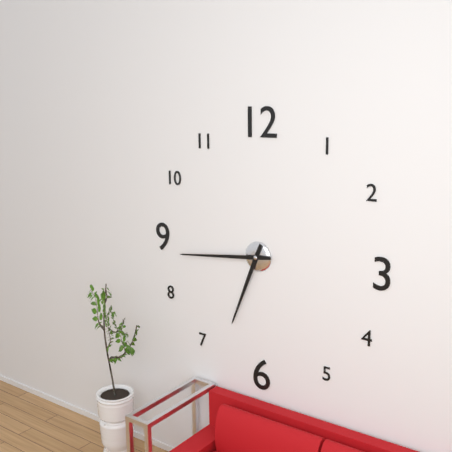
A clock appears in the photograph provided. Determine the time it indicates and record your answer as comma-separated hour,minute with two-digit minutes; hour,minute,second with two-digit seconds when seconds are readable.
6,44
